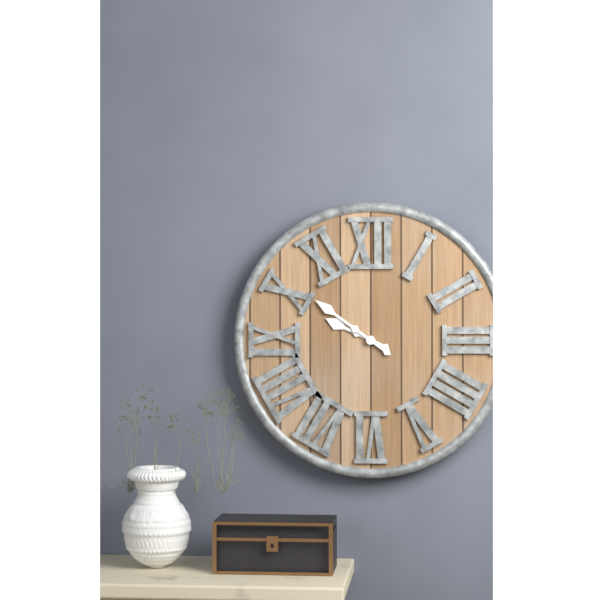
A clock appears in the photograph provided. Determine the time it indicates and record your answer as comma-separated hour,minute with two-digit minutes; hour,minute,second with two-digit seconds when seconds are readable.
9,51
